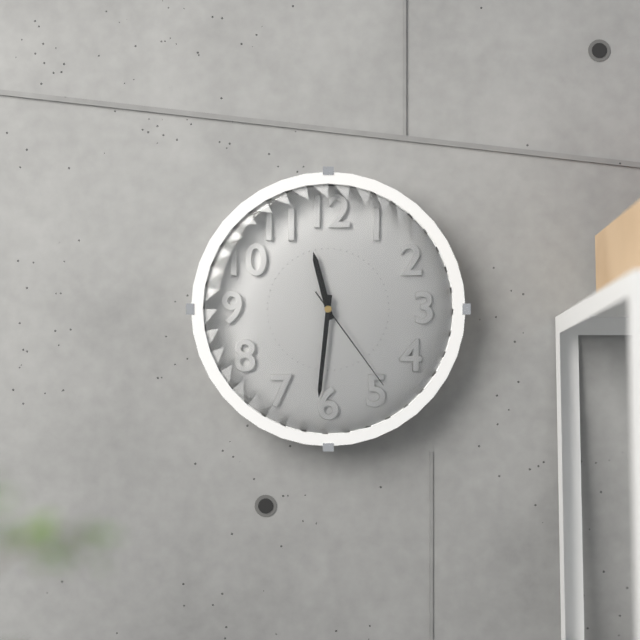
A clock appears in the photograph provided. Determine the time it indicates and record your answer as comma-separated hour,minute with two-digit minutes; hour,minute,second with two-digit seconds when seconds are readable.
11,31,24
